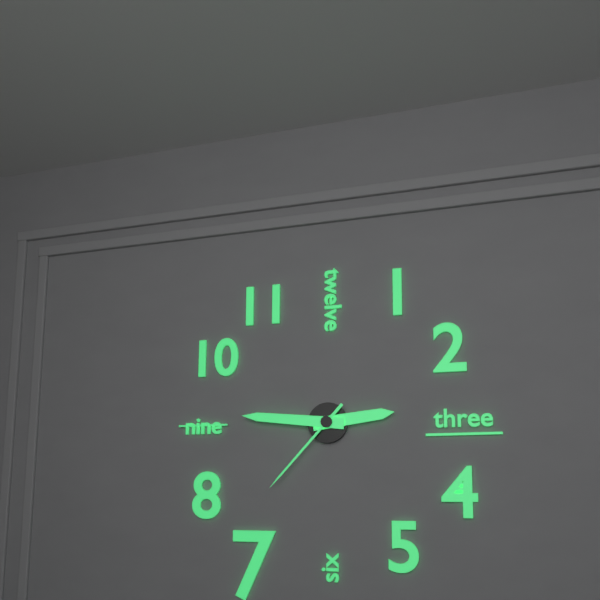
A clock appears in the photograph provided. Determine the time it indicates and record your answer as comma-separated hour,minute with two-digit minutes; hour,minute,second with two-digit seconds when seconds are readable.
2,46,37
